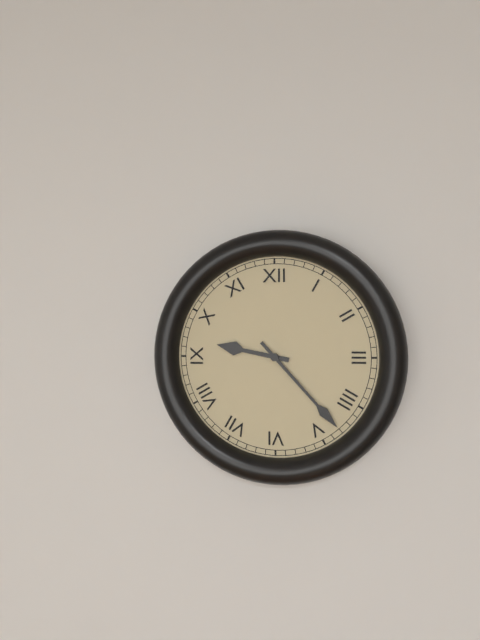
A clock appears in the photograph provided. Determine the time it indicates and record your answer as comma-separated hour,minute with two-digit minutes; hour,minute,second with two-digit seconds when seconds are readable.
9,23
